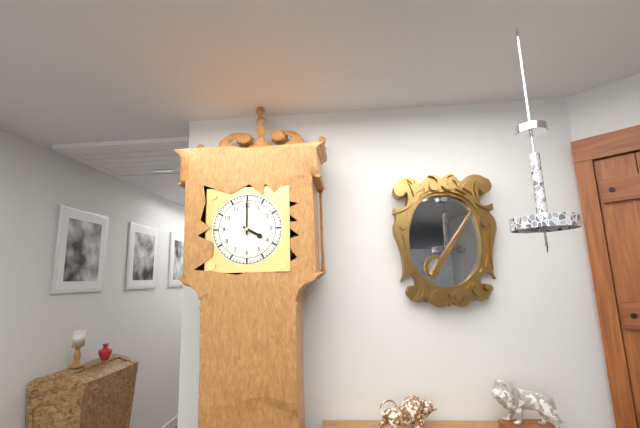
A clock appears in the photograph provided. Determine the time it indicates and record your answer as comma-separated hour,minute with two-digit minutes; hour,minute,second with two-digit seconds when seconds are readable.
4,00
